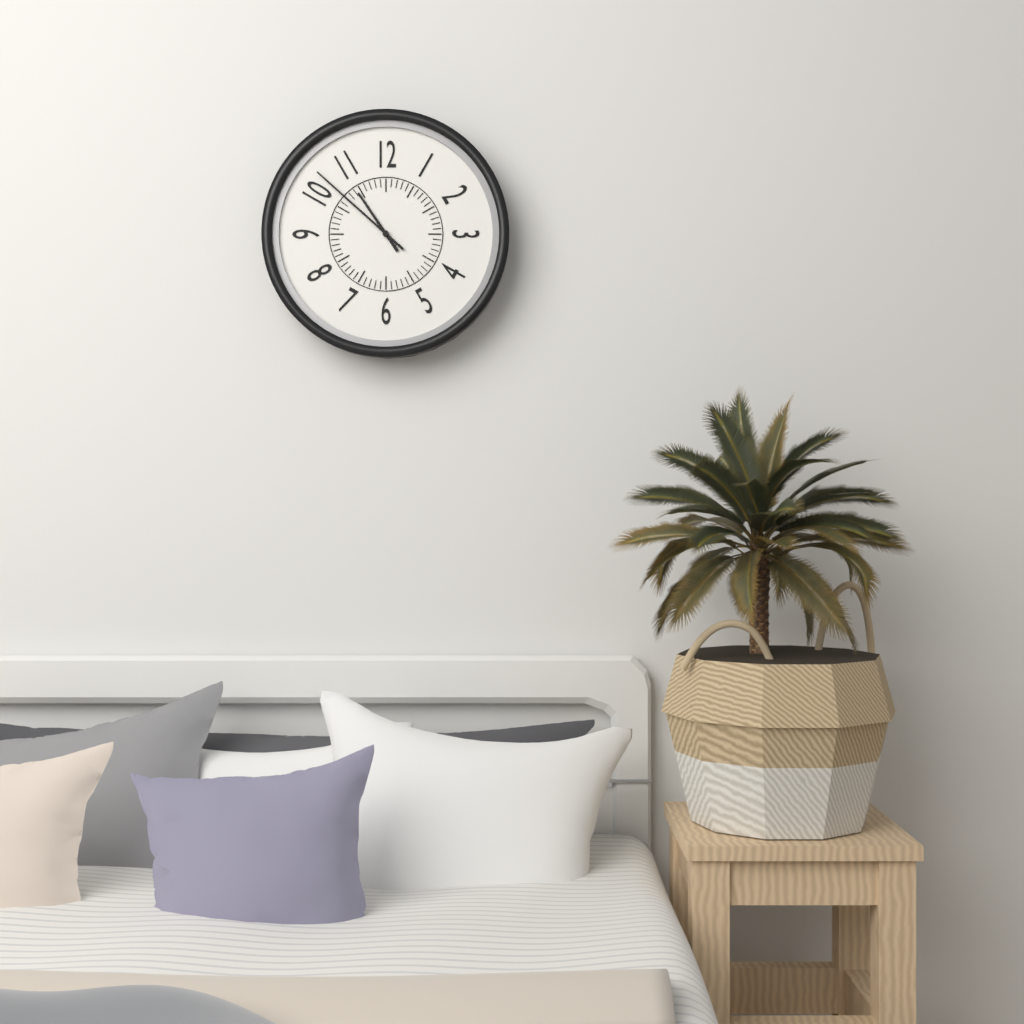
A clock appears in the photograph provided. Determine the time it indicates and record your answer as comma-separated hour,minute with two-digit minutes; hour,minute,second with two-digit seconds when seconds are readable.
10,52
